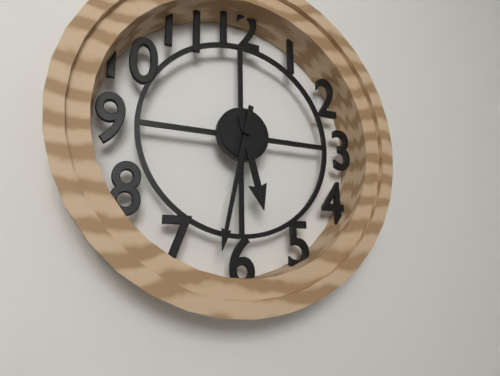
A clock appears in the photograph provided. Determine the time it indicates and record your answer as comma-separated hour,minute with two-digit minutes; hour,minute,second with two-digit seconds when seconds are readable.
5,32
